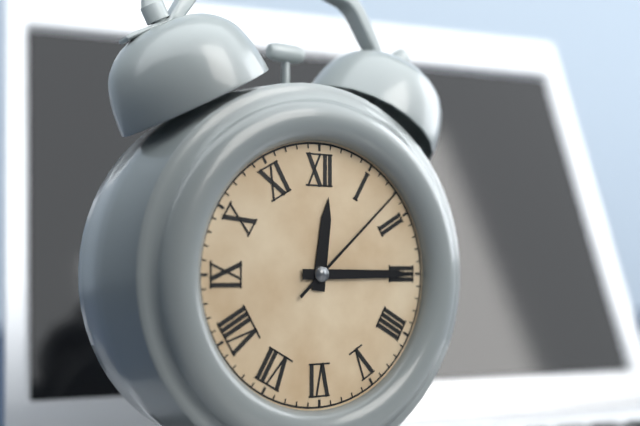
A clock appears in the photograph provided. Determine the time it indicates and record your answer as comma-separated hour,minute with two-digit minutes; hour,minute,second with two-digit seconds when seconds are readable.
12,15,08
